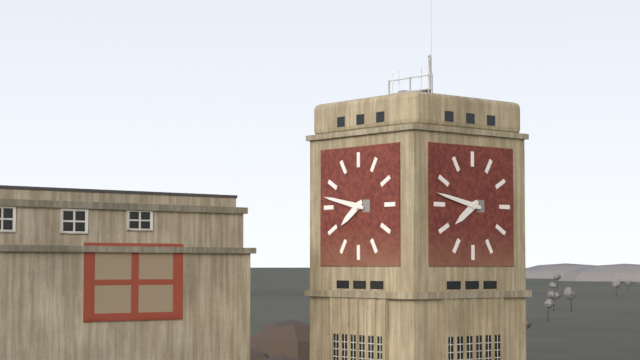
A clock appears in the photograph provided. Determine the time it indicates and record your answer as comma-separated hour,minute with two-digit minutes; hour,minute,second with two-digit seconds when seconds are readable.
7,47
